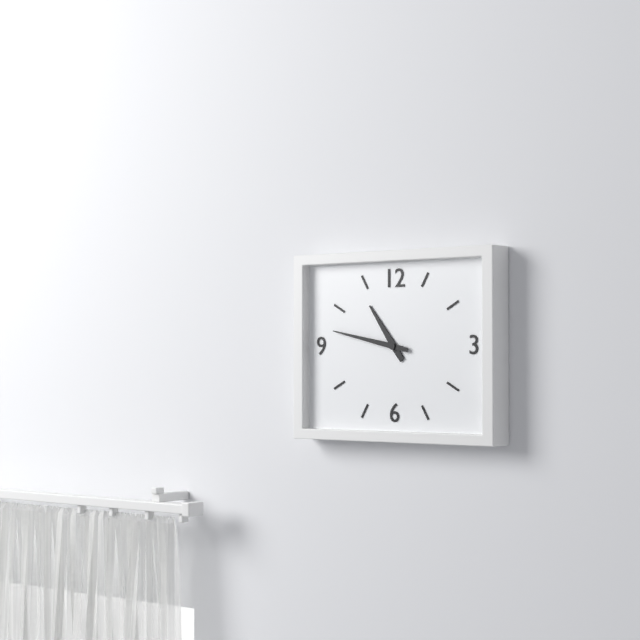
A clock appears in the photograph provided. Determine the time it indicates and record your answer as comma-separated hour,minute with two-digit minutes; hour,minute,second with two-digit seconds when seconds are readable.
10,47
